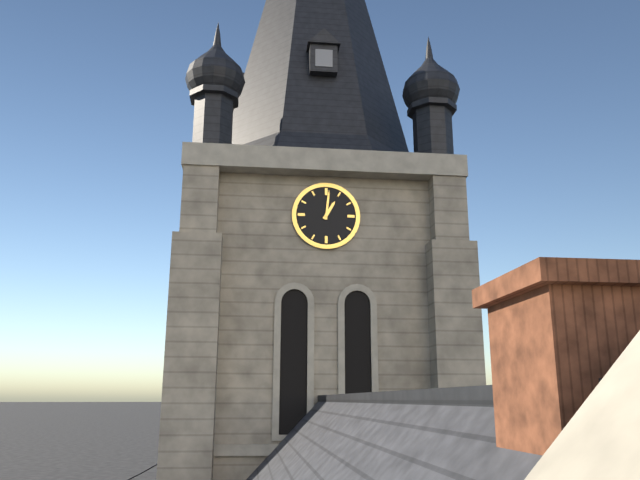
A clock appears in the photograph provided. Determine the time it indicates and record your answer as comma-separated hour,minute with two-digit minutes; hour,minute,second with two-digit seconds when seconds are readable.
1,01
